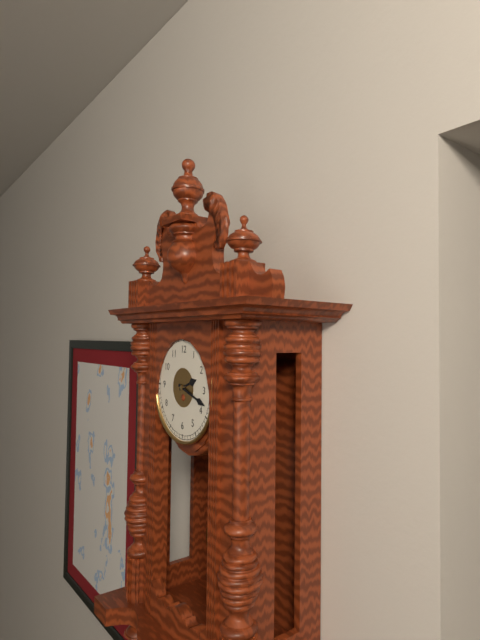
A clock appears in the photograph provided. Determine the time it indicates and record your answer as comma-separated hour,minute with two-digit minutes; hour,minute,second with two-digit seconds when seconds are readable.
2,18
